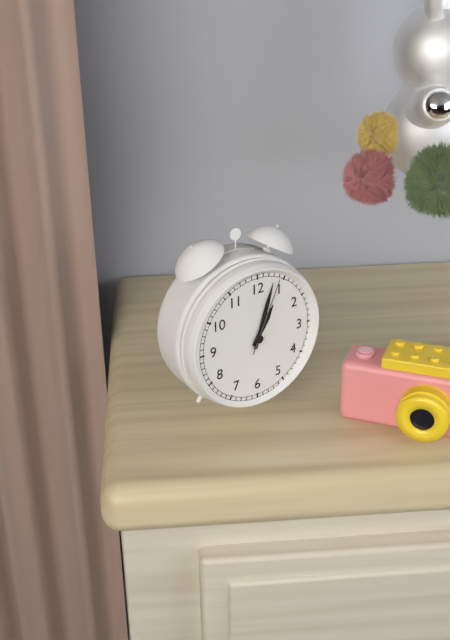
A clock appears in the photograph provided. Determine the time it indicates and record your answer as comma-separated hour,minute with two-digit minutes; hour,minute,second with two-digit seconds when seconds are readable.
1,03,04
